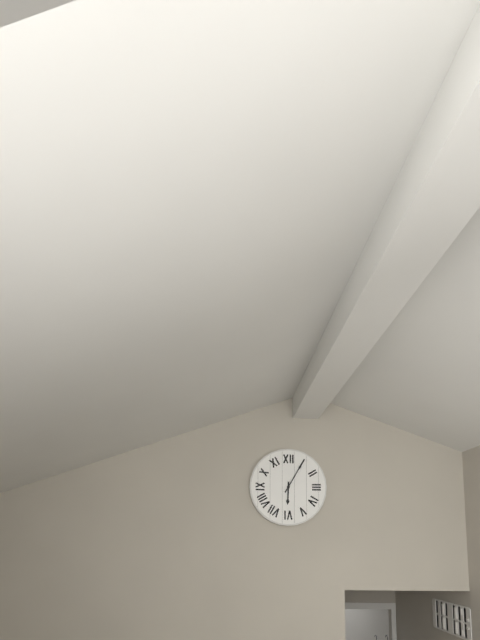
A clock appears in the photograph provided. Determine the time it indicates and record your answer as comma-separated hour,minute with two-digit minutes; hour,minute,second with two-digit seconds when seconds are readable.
6,05
